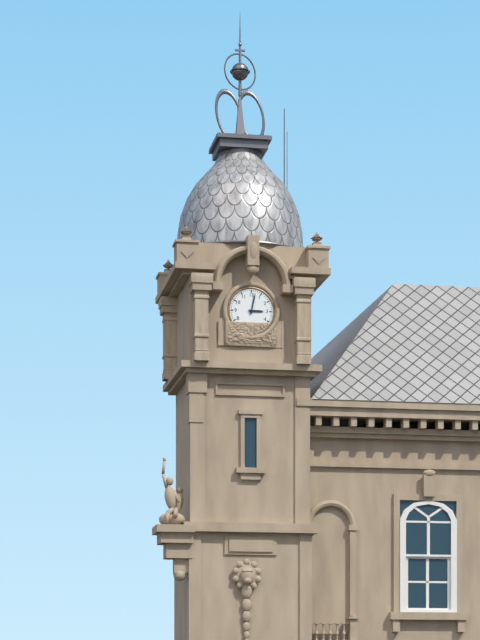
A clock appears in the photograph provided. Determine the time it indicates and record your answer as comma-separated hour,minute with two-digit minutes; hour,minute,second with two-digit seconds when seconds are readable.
3,02
